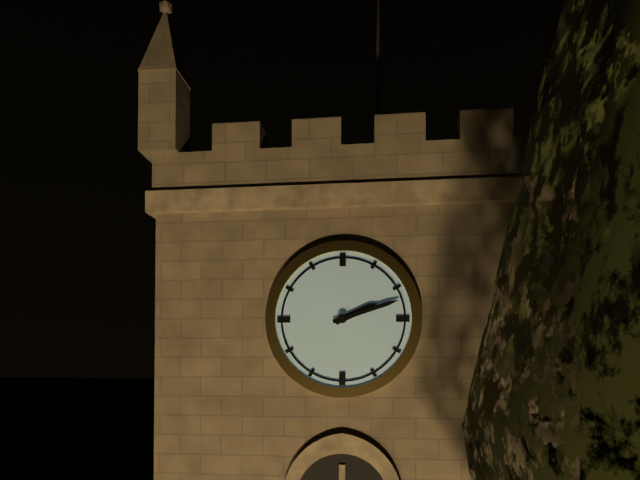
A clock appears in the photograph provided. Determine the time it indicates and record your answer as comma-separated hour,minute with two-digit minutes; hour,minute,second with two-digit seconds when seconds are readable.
2,12
